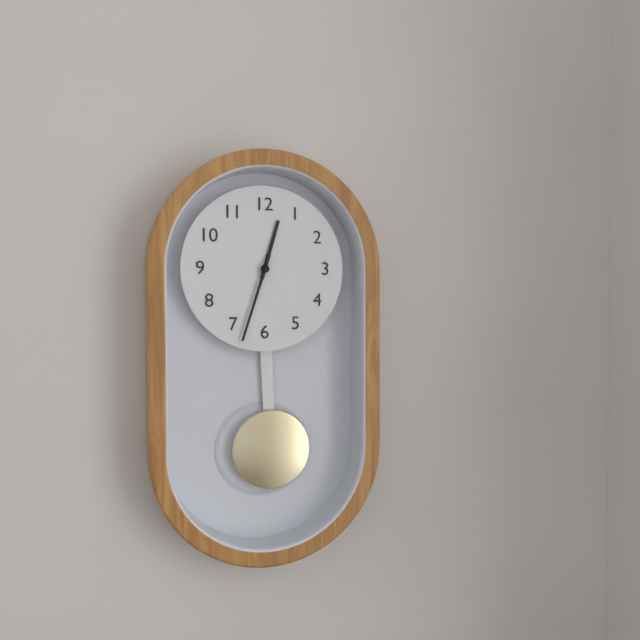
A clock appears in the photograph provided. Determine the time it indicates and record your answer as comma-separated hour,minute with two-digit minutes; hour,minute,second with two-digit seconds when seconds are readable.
12,33
